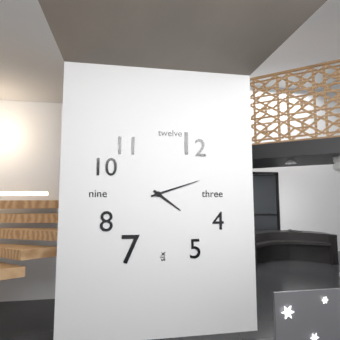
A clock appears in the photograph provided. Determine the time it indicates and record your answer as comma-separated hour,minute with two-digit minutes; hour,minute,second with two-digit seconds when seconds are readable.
4,12
